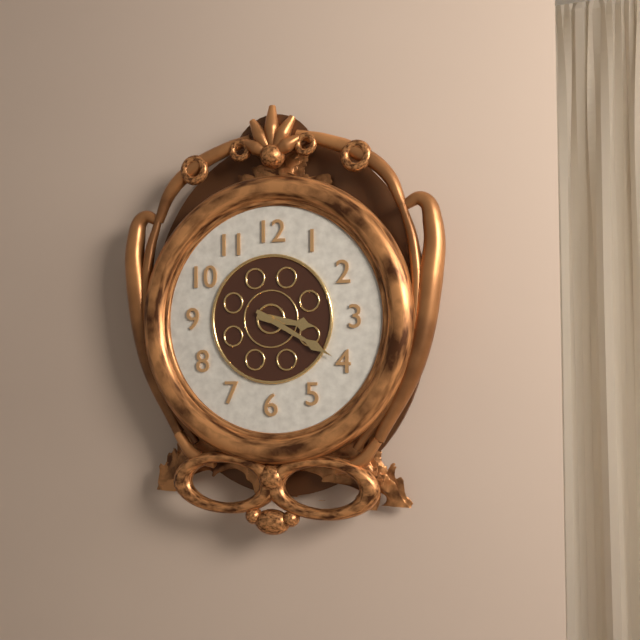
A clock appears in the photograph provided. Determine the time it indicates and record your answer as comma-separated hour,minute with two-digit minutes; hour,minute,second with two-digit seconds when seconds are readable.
3,20
